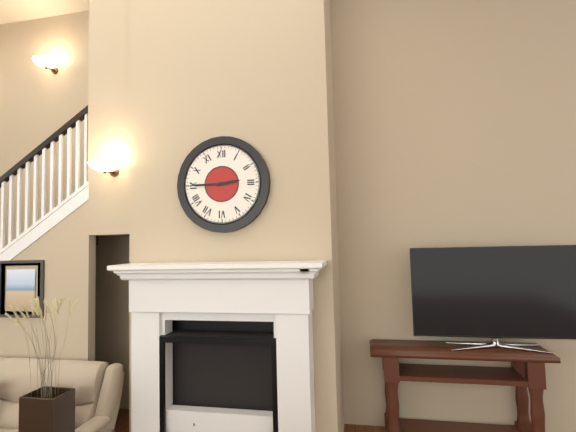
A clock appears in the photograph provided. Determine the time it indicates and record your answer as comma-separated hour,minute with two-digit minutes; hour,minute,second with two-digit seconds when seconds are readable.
2,45
